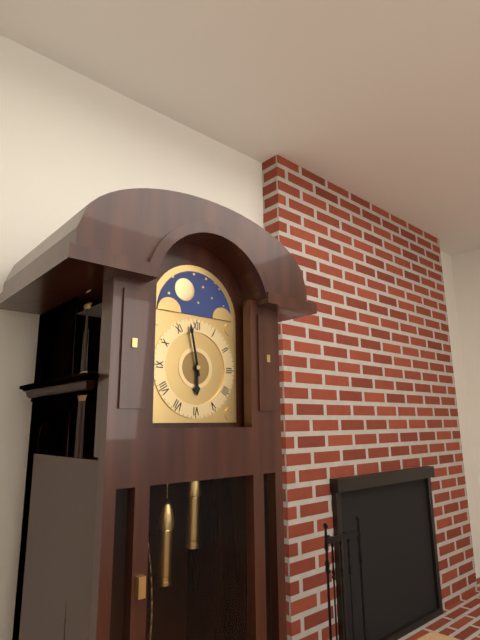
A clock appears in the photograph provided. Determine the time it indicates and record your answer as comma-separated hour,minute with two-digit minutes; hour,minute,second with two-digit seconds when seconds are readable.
5,58
